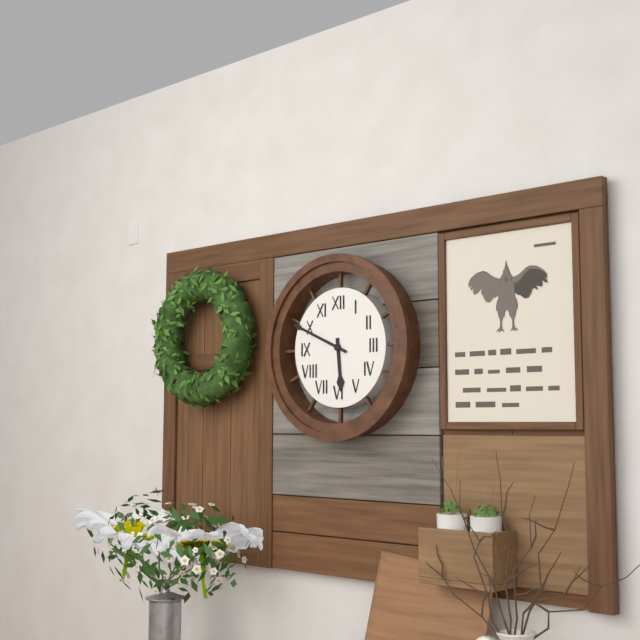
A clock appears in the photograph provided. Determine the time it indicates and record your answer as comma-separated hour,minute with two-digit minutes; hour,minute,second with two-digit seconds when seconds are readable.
5,49
